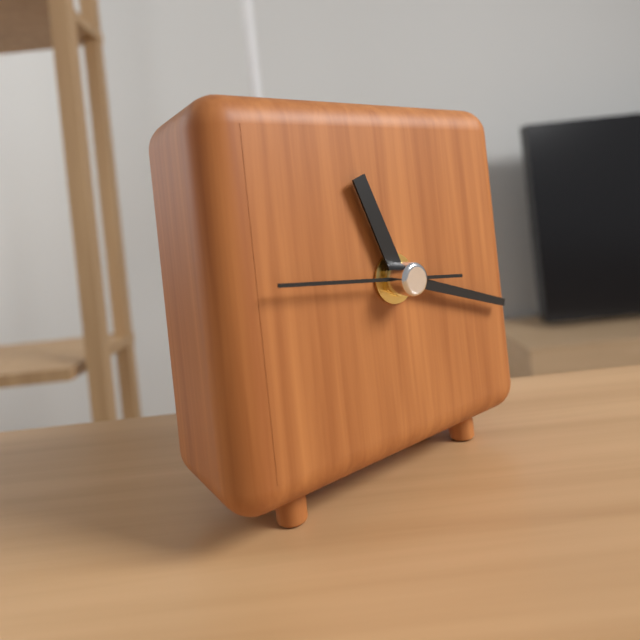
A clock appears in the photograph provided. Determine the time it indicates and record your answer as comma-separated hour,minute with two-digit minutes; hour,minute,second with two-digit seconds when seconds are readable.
11,18,46
